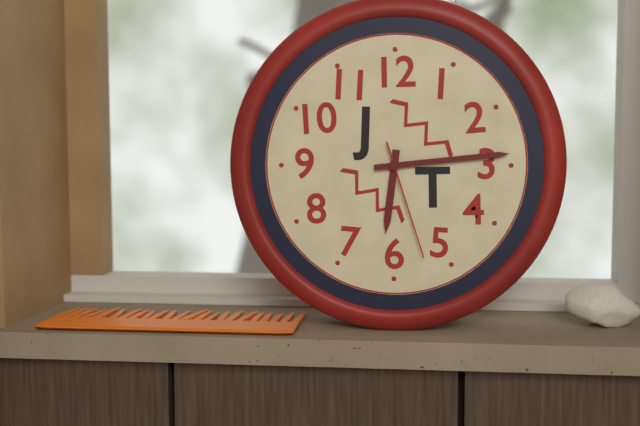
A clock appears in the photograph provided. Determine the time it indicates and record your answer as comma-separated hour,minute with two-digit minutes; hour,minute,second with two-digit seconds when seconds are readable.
6,14,27
